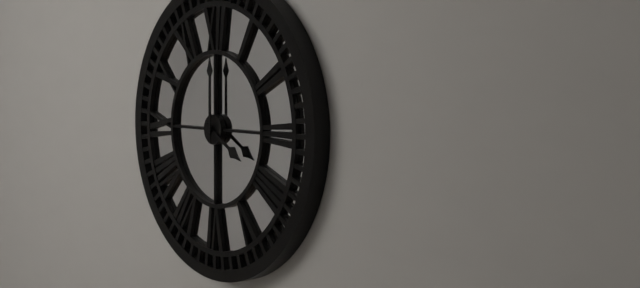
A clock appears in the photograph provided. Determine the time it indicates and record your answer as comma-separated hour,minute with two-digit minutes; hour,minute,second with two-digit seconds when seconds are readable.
4,00
